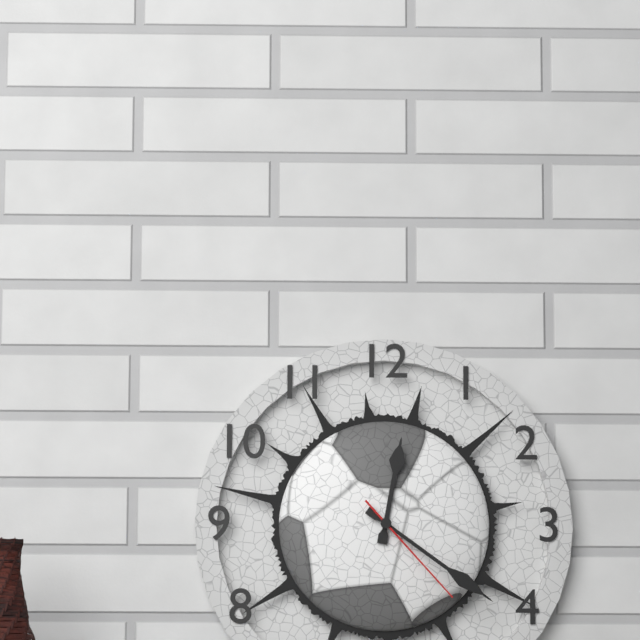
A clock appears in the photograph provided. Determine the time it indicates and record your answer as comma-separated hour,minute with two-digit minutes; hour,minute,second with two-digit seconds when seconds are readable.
12,21,23
